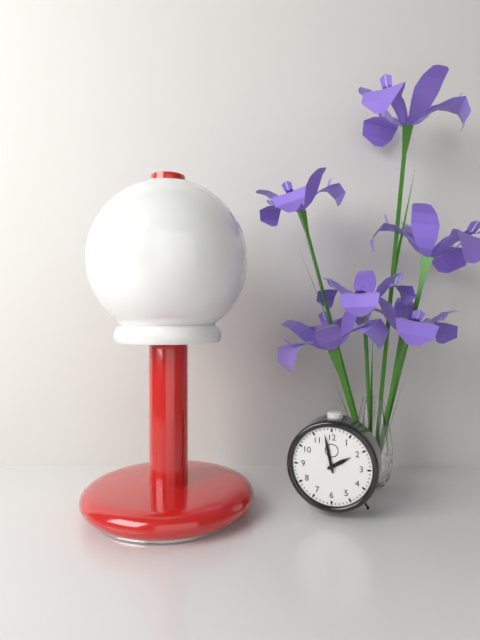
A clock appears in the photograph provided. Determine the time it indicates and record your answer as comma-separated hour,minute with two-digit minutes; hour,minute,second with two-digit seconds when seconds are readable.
1,58
